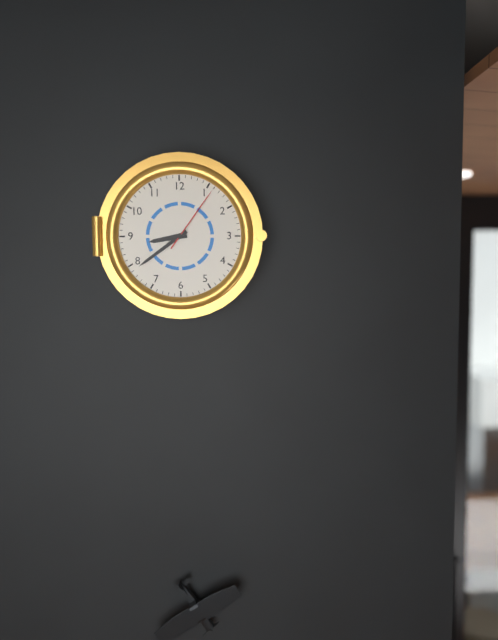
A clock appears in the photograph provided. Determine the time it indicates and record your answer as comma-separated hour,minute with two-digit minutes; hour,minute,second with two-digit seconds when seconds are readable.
8,39,06
